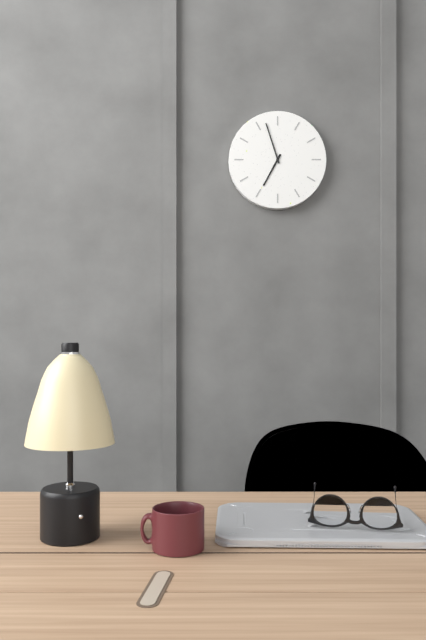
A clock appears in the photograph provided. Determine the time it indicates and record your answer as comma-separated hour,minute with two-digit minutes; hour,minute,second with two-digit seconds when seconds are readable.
6,57
